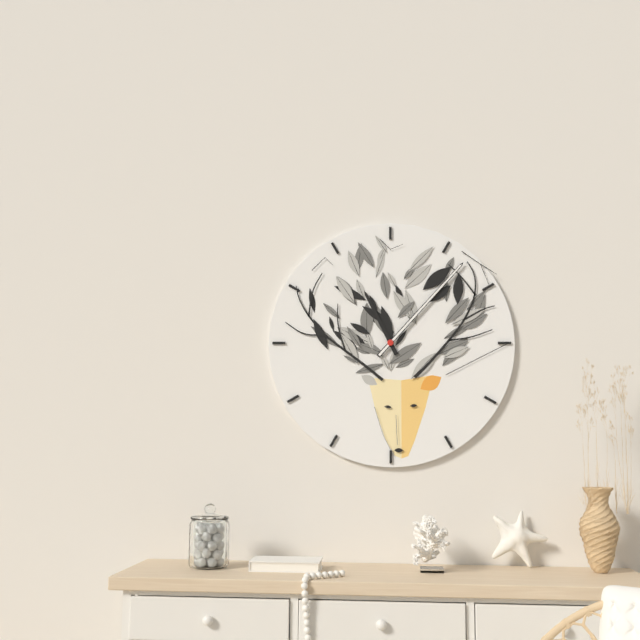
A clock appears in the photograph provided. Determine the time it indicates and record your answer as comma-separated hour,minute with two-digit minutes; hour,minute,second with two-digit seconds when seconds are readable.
11,07
